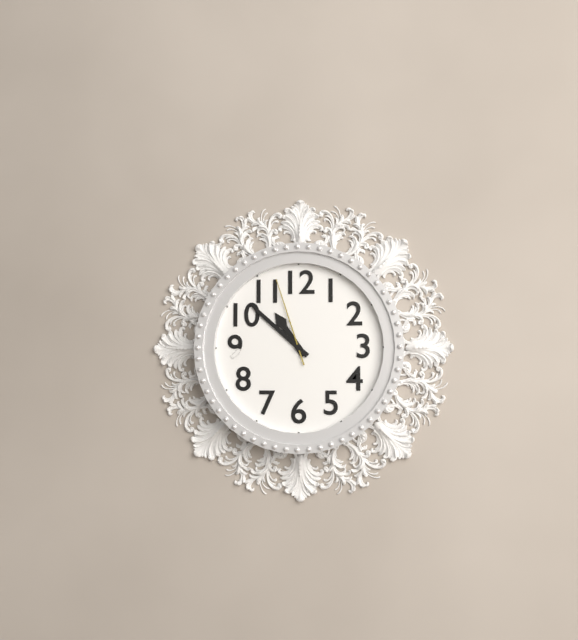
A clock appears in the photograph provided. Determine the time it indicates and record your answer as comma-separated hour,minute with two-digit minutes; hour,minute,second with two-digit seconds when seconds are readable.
10,52,57
